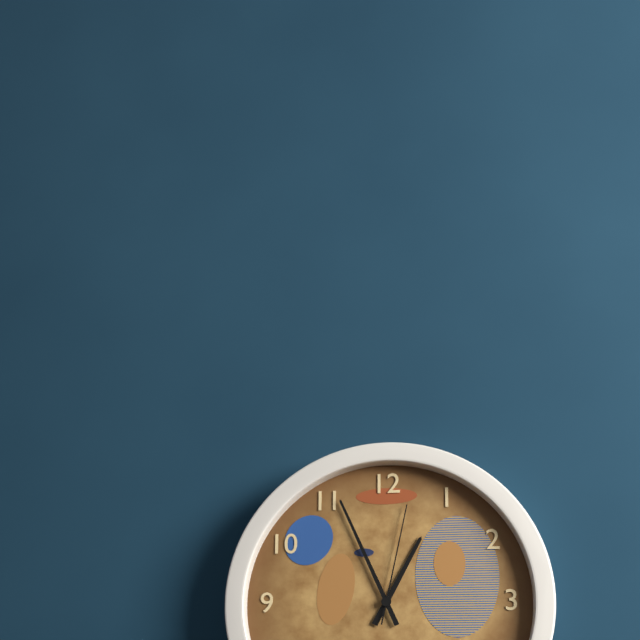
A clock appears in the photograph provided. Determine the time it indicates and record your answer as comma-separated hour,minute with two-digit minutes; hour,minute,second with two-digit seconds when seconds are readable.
12,56,02
